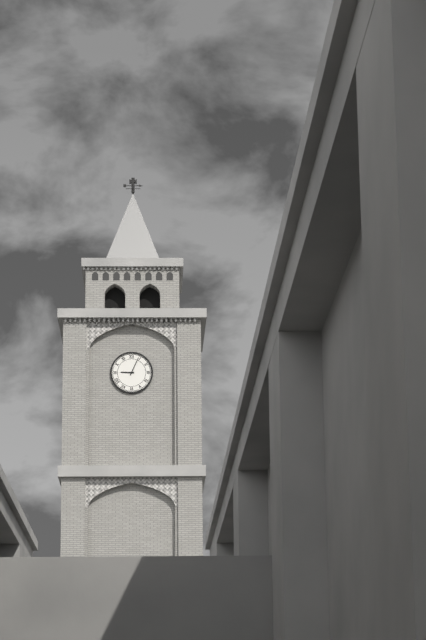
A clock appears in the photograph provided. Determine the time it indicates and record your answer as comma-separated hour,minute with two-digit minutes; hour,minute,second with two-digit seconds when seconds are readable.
9,04
